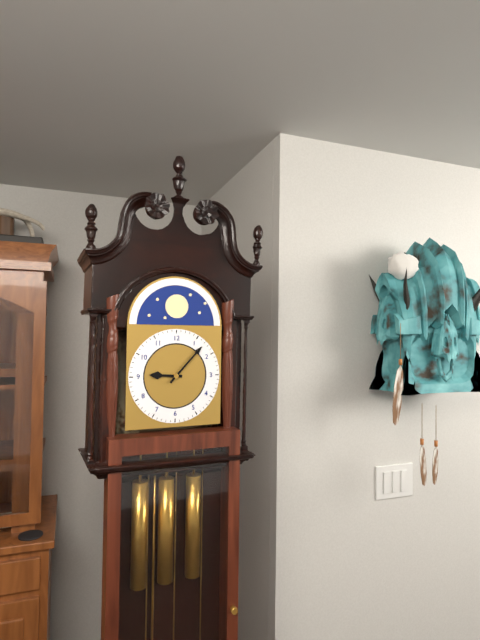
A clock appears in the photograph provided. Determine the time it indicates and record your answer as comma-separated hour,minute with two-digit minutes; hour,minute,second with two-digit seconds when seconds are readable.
9,07
